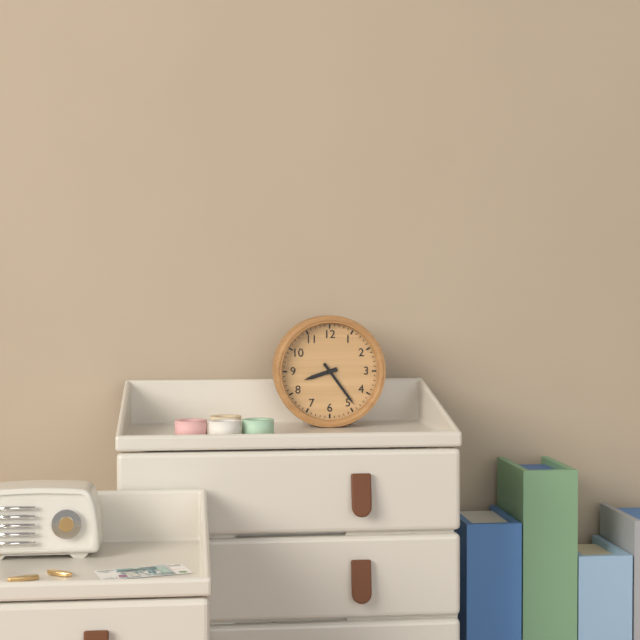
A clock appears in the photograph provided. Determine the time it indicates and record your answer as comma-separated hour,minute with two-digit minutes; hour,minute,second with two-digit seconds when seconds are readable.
8,24
